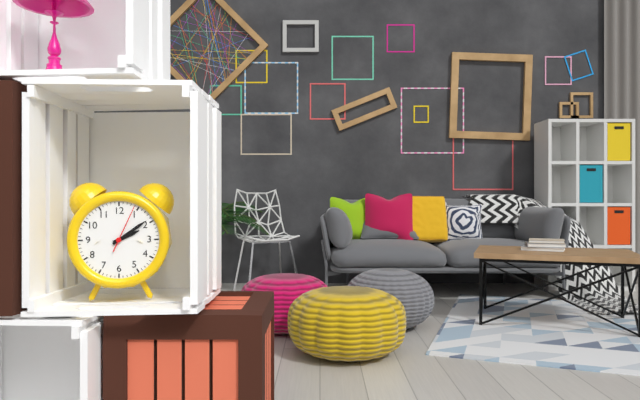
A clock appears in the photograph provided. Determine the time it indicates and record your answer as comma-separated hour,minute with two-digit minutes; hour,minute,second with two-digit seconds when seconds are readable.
2,09
